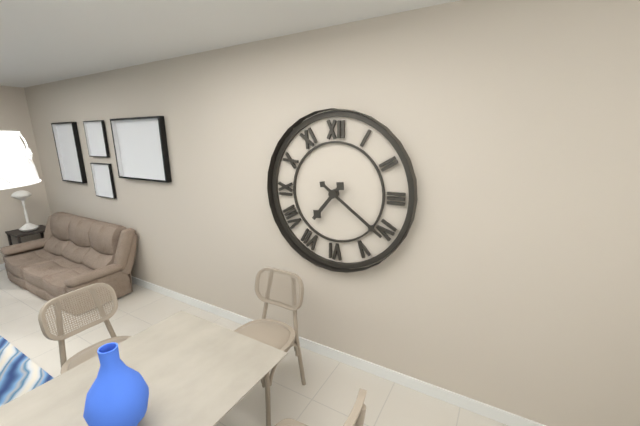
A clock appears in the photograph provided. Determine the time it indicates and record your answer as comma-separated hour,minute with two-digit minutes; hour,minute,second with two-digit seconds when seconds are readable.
7,21
